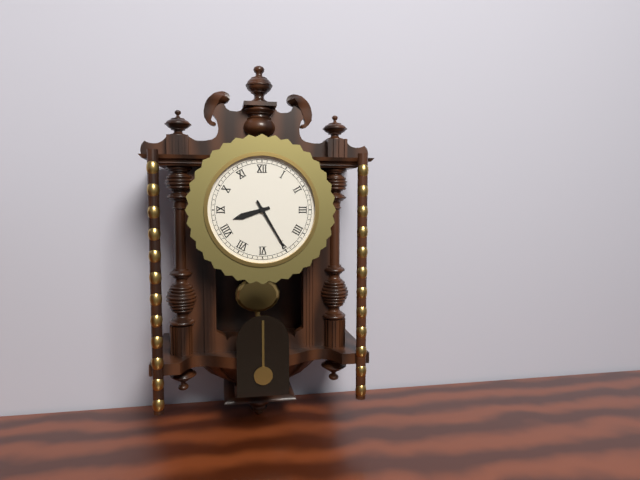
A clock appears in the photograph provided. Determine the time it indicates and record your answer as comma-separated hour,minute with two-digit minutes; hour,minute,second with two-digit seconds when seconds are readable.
8,25
